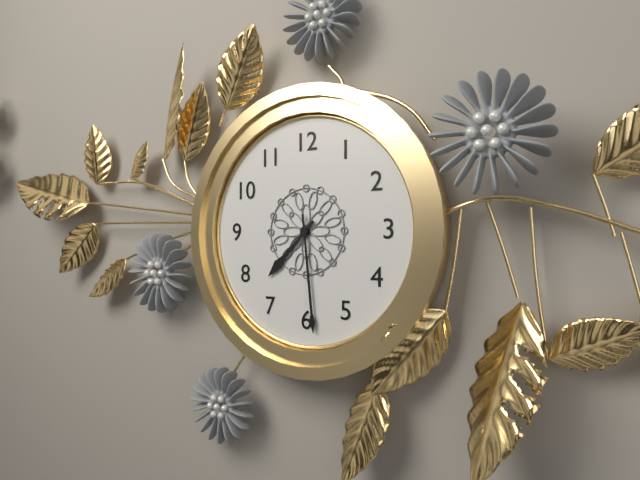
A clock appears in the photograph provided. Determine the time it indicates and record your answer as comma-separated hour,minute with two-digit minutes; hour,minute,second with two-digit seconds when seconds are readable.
7,29
